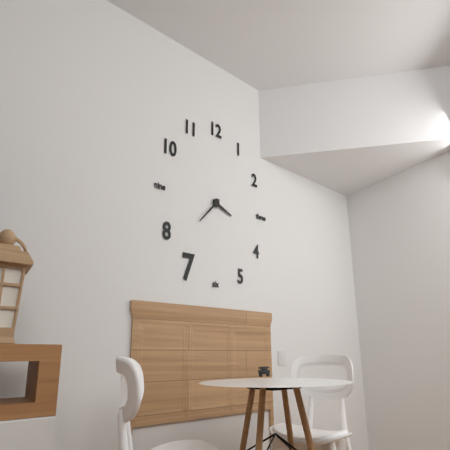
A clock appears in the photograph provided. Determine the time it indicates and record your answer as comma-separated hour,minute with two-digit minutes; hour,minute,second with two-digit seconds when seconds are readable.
3,38
